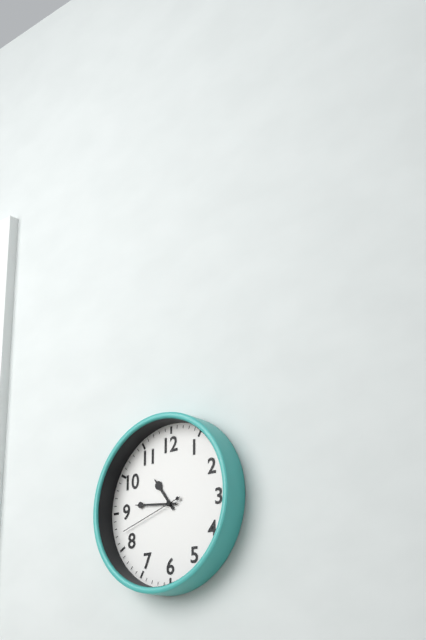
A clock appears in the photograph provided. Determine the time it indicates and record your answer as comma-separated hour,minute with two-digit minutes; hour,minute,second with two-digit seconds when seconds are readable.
10,46,42
